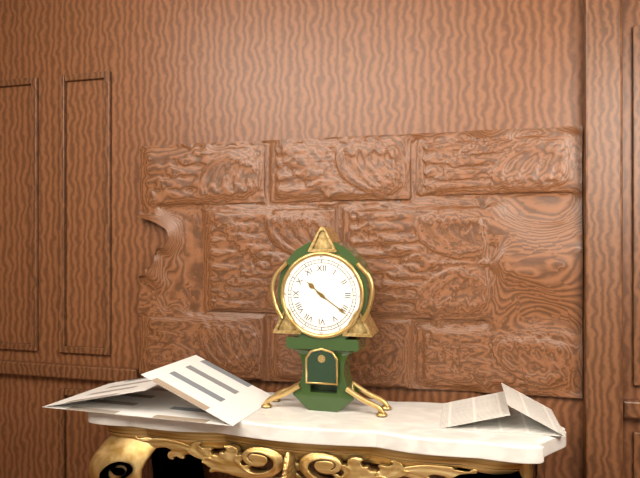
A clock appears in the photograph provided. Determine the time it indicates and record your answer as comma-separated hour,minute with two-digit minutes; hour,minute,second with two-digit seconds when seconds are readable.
10,21
